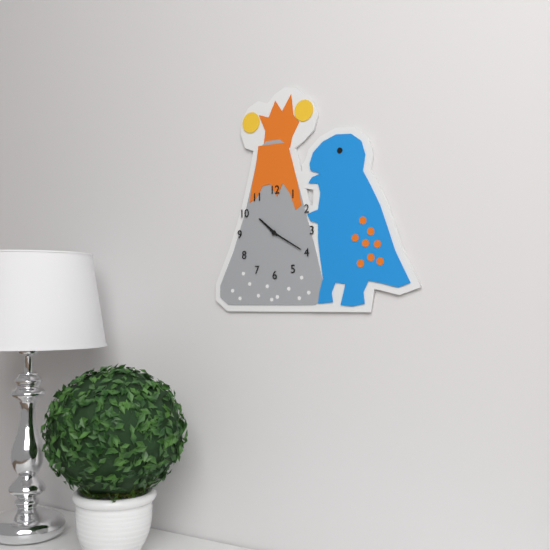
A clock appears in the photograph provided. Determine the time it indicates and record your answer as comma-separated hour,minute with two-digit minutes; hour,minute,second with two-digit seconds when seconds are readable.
10,20
